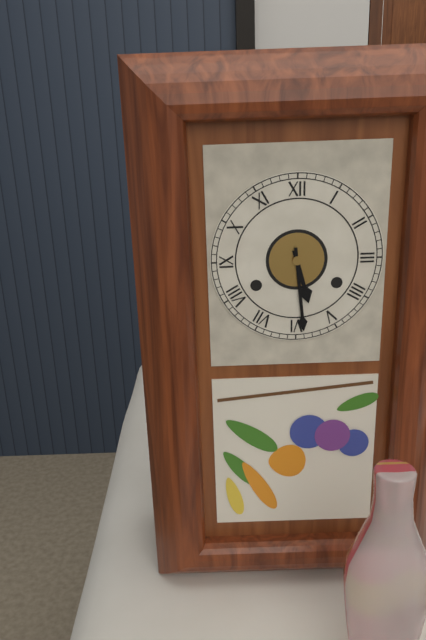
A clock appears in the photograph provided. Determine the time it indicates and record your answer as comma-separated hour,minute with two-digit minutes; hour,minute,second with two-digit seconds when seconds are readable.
5,29
